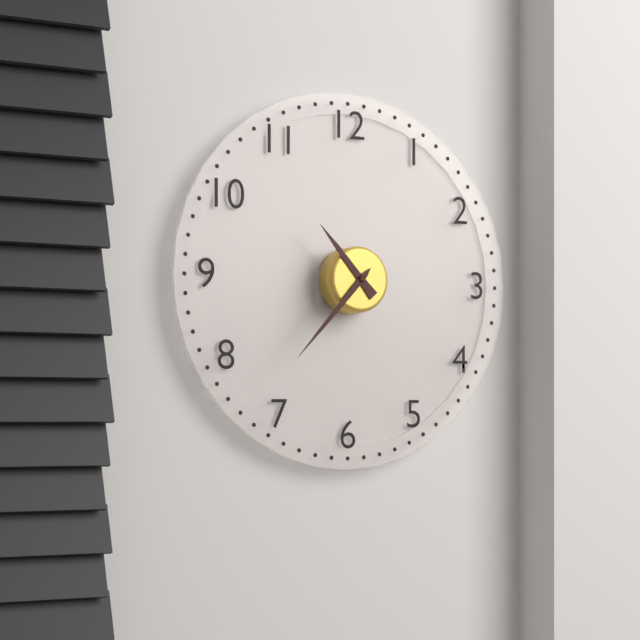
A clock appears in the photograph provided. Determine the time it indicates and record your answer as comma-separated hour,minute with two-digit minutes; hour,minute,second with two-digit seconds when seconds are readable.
10,37
